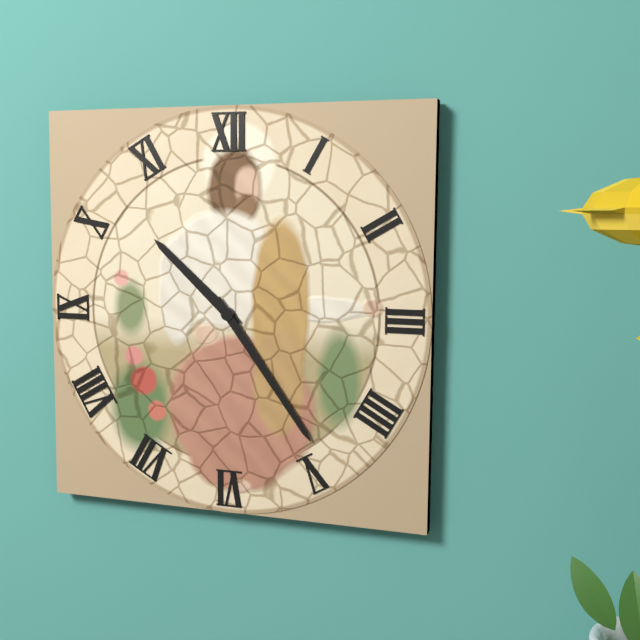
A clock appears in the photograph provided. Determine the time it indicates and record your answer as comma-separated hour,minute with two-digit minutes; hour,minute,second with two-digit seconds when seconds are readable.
10,24
